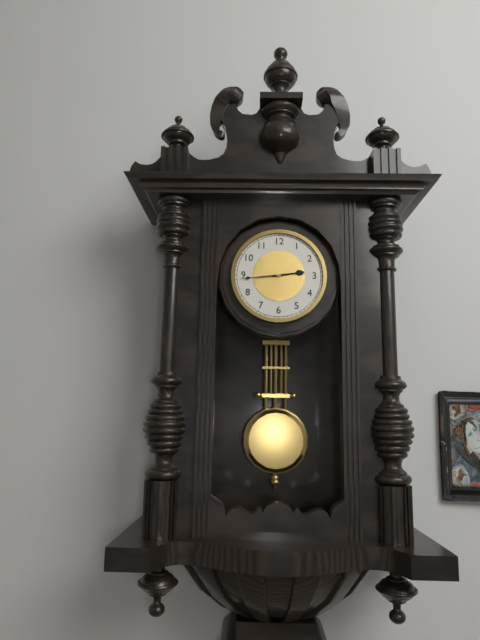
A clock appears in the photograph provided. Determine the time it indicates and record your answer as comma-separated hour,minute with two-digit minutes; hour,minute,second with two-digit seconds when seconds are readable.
2,44
